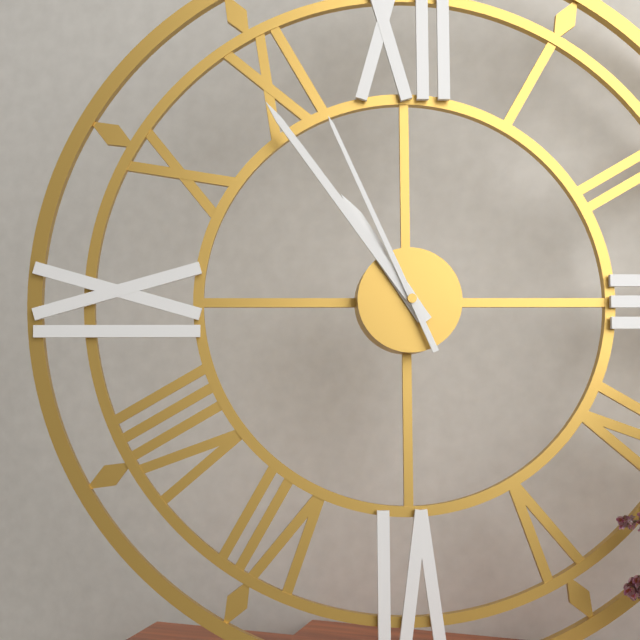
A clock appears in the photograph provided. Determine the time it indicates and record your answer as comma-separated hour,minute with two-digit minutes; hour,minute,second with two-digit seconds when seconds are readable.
10,54,56
